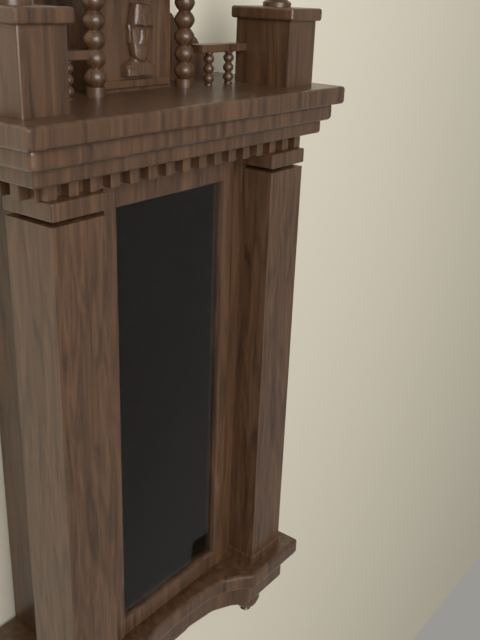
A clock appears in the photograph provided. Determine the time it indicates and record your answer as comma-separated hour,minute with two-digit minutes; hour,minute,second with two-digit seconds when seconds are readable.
10,53
